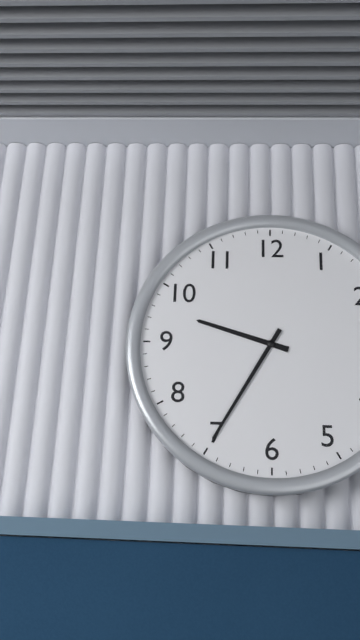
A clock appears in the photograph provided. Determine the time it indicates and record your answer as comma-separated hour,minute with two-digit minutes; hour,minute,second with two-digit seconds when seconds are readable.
9,35
